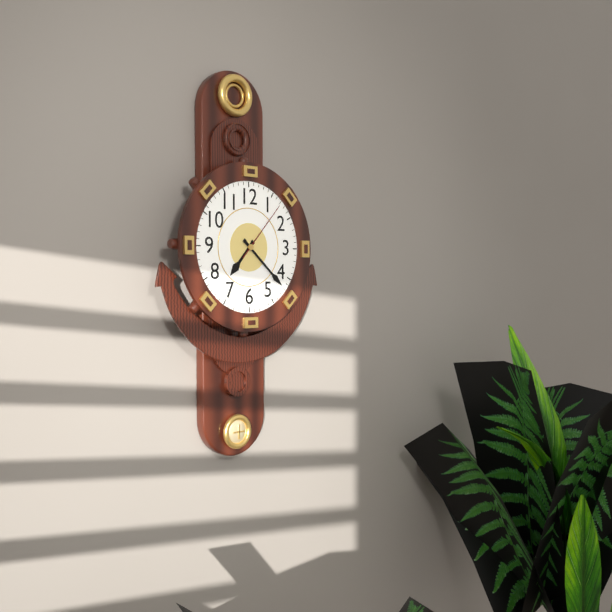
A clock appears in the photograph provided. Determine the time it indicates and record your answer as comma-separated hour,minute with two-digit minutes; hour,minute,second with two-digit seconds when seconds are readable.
7,22,07
